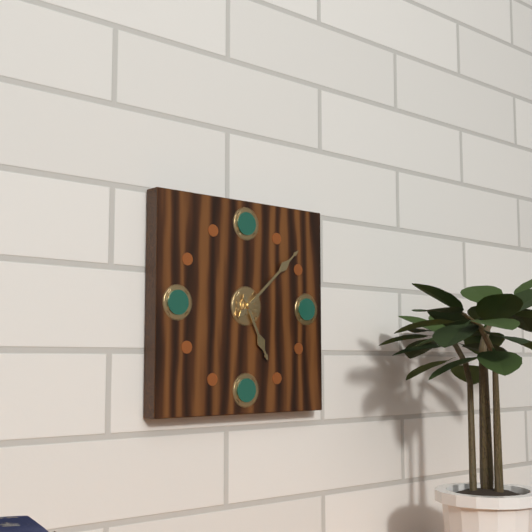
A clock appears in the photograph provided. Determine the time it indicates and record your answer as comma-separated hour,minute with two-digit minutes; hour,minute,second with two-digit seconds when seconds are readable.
5,08
